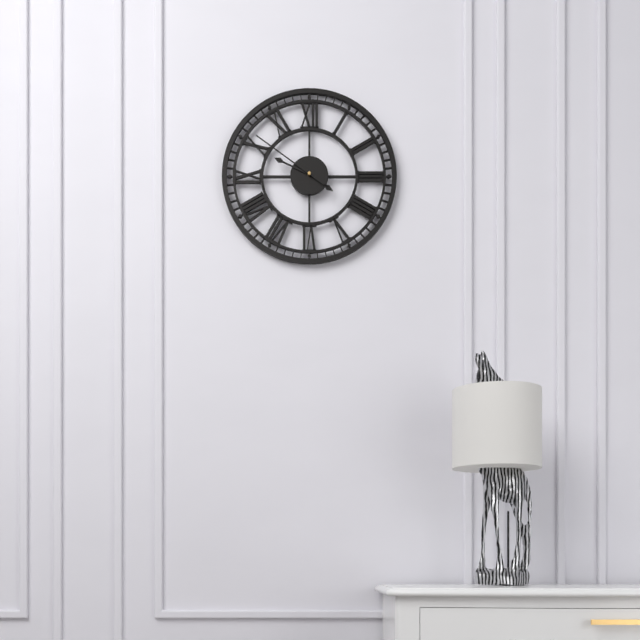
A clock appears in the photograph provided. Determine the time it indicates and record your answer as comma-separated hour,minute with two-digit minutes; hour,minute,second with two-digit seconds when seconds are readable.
9,51
